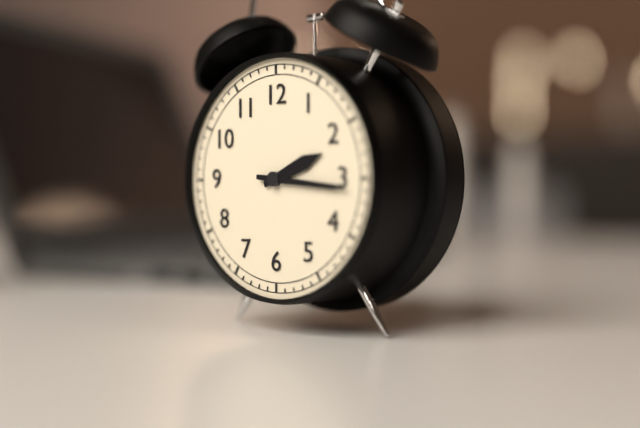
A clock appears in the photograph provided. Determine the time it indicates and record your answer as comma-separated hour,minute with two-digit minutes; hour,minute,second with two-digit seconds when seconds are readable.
2,16
